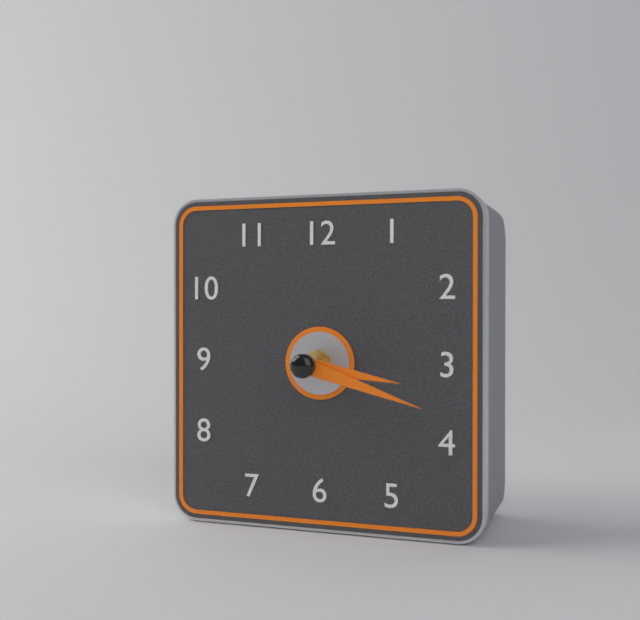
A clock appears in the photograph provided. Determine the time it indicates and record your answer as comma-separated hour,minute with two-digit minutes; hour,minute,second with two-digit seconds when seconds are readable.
3,18
